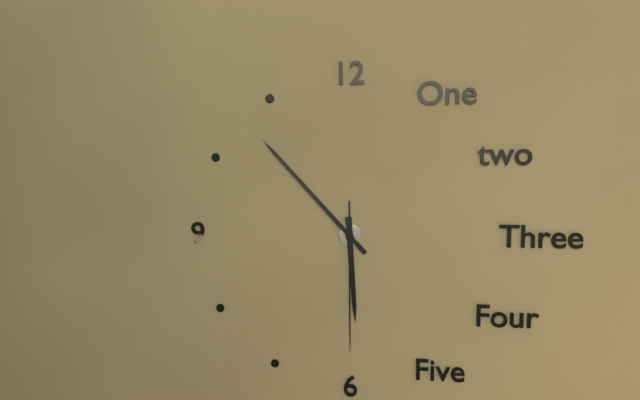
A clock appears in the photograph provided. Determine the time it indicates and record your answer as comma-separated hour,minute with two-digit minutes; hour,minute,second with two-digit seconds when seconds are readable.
5,53,30
